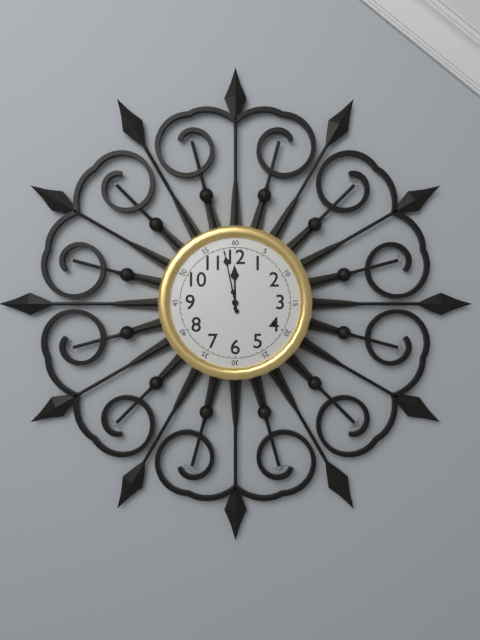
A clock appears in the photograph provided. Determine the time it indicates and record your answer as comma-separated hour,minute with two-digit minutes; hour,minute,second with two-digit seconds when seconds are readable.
11,58
